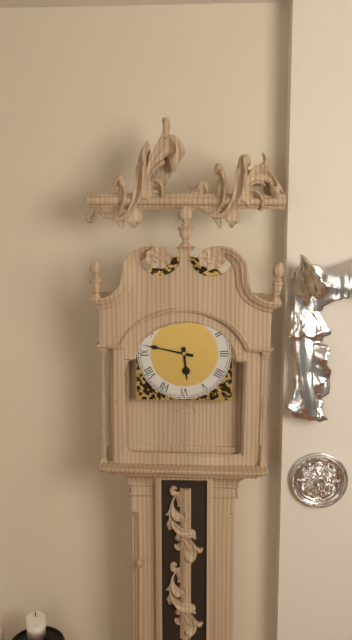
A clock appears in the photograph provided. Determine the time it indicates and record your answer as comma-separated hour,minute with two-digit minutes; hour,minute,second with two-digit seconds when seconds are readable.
5,47
